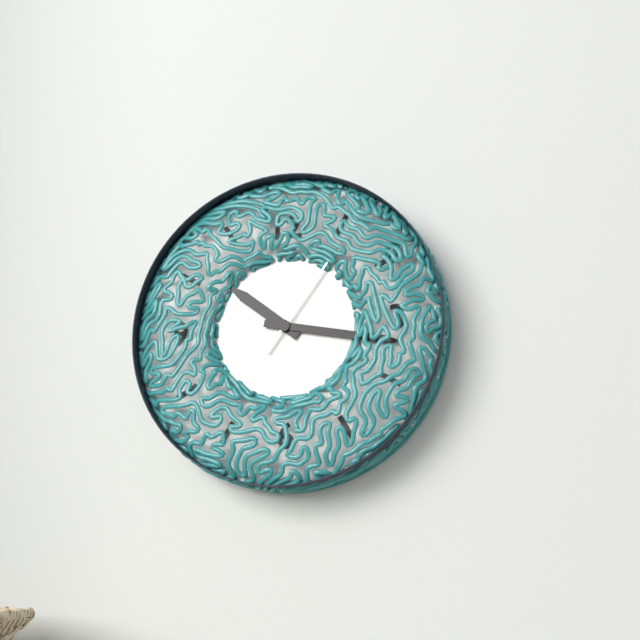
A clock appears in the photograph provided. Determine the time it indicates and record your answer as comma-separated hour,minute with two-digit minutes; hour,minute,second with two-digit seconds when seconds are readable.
10,17,06
